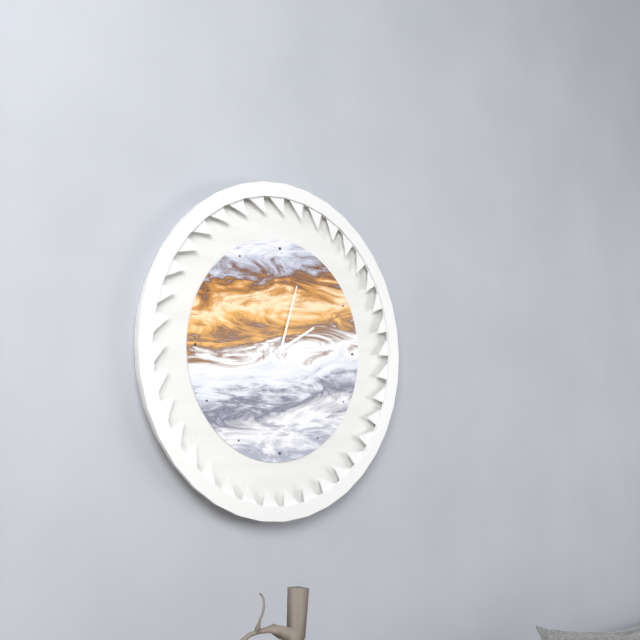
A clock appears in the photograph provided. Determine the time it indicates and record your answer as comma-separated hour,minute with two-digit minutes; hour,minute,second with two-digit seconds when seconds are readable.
2,03
